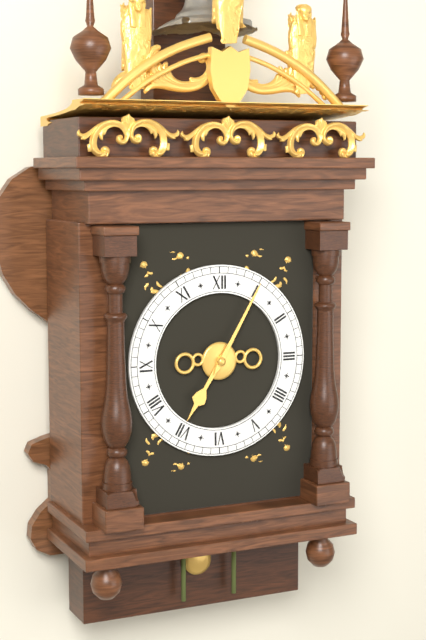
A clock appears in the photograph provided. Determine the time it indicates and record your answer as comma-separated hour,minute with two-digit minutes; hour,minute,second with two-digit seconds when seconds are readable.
7,05
